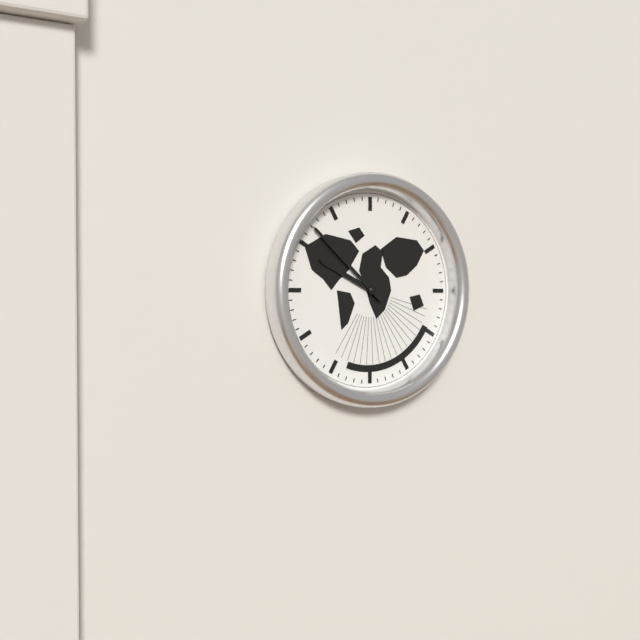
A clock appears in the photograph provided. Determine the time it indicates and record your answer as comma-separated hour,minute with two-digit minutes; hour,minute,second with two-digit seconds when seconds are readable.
9,52
